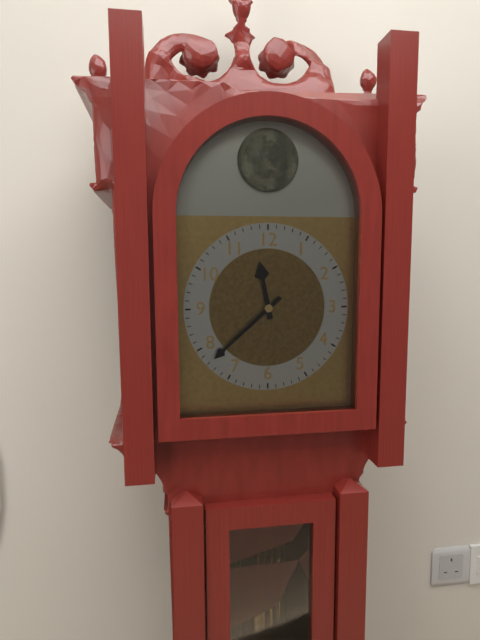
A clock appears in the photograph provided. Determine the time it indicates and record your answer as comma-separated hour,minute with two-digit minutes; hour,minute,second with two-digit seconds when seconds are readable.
11,38
